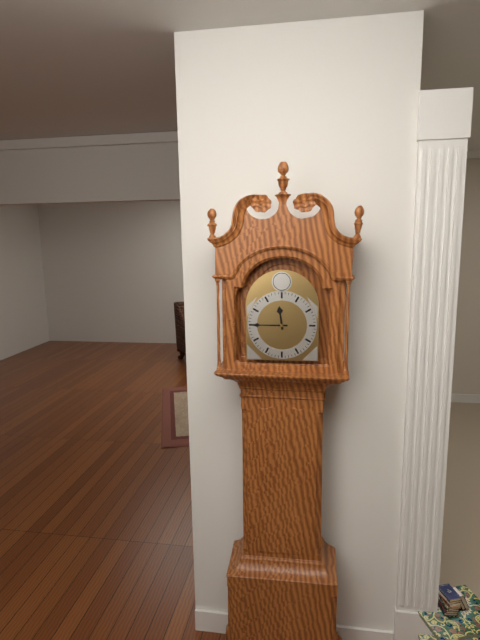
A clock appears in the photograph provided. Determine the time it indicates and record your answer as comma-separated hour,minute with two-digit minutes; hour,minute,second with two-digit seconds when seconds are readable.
11,45
